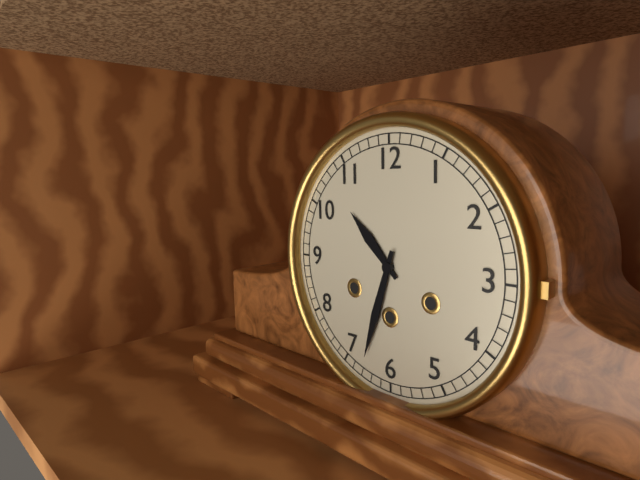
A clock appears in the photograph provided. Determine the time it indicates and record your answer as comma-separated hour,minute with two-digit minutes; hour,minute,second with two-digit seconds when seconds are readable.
10,33
